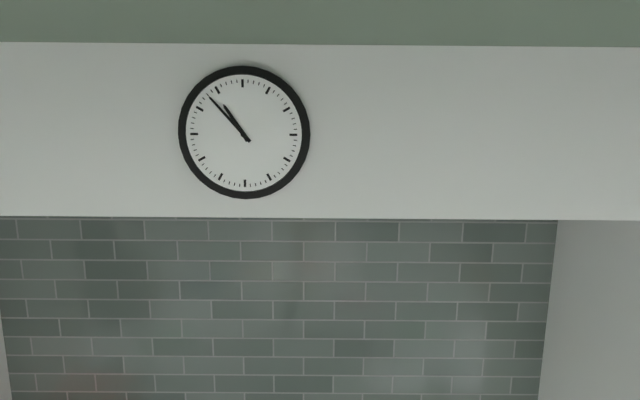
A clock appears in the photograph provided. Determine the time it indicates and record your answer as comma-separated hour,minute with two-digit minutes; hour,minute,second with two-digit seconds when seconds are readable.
10,53
